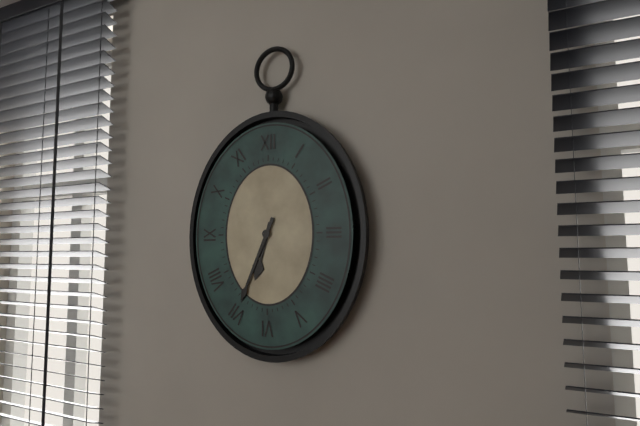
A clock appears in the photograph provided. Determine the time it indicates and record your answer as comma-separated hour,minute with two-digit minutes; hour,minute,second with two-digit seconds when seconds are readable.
6,34
